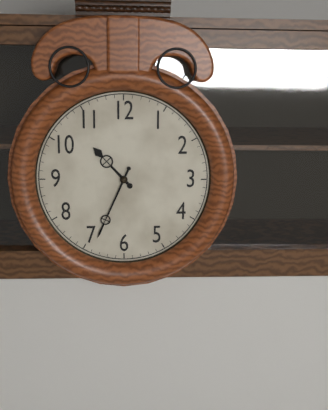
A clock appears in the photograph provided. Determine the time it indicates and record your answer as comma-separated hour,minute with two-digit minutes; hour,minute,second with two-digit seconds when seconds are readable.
10,34
